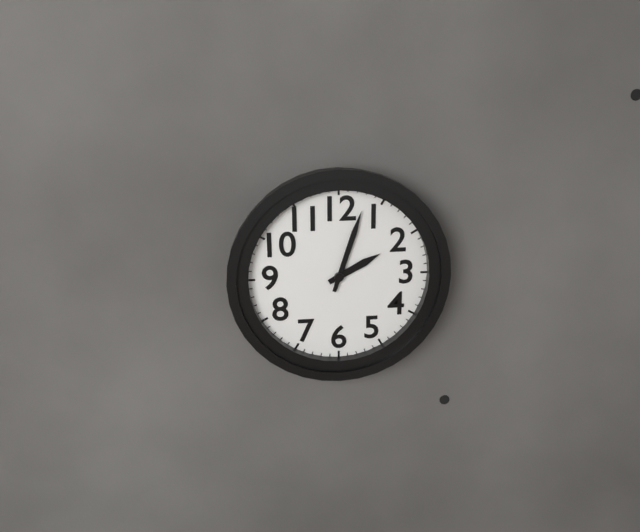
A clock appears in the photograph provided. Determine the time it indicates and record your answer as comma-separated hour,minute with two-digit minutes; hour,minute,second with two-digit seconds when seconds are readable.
2,03
